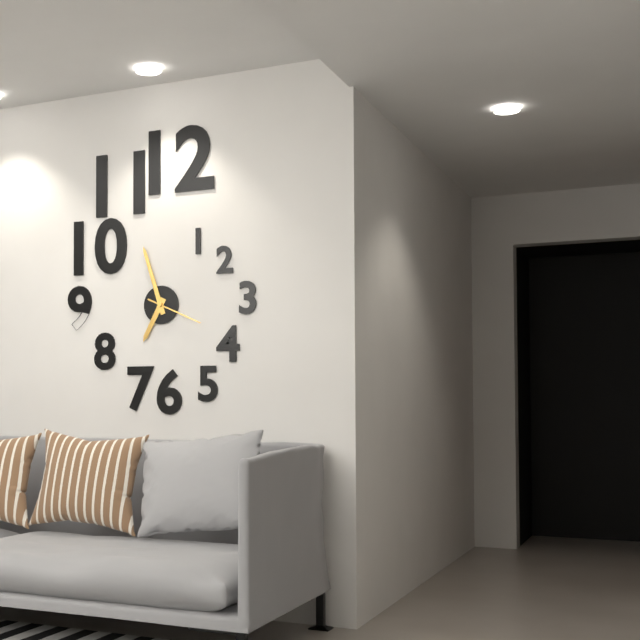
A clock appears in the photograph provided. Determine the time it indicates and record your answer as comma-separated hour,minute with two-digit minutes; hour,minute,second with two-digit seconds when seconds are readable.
6,57,19
